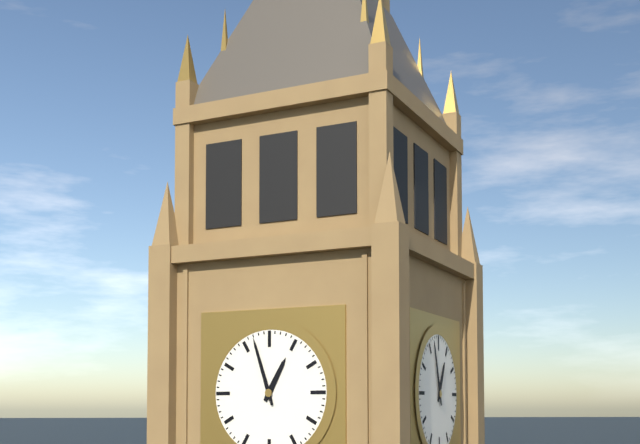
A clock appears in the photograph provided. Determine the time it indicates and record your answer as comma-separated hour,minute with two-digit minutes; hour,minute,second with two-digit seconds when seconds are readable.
12,57
